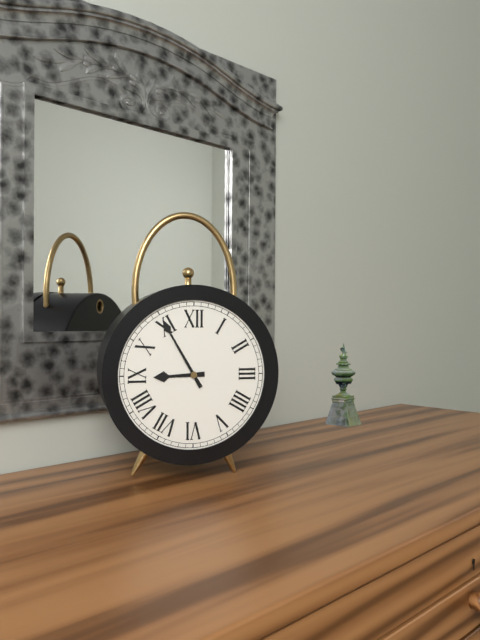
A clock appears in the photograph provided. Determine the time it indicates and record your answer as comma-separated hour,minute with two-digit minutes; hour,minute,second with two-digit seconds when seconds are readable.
8,55
